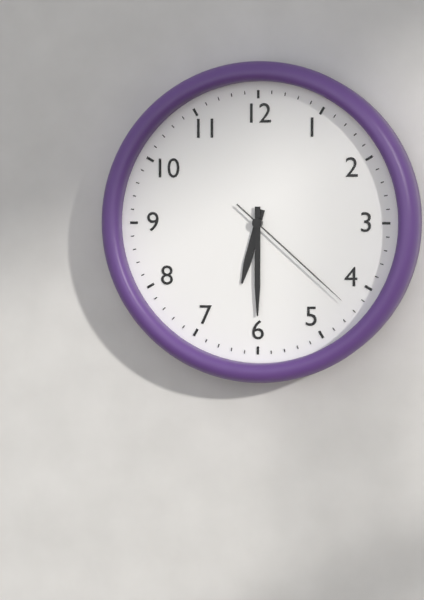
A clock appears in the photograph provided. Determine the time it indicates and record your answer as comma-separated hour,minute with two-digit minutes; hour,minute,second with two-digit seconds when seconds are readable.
6,30,22
